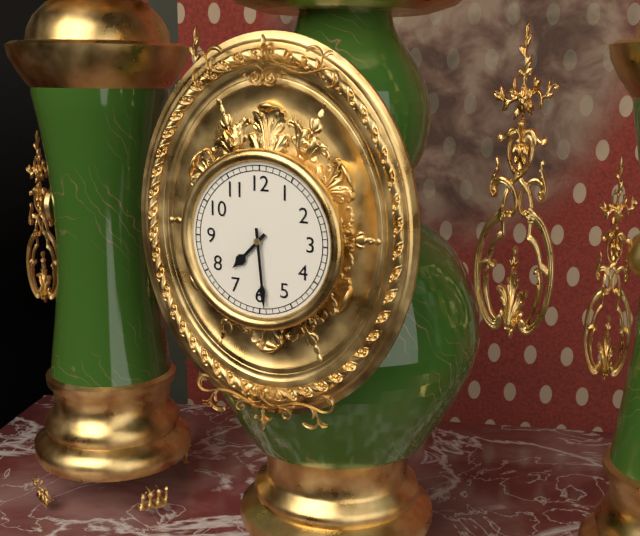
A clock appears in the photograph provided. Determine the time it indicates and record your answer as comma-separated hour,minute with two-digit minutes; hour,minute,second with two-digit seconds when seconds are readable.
7,29
